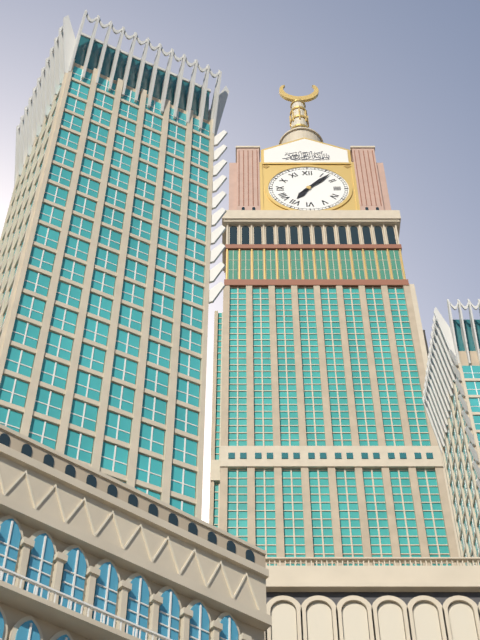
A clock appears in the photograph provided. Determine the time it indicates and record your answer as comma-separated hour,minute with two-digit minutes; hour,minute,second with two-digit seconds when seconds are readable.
7,07
